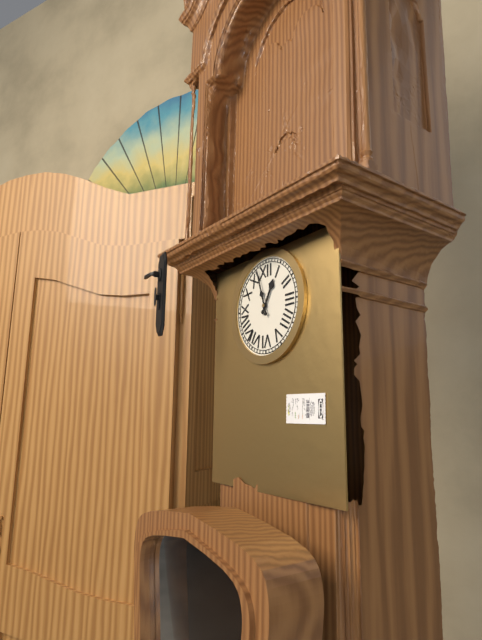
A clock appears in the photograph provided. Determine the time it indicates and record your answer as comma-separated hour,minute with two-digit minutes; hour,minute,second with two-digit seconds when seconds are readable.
12,57
